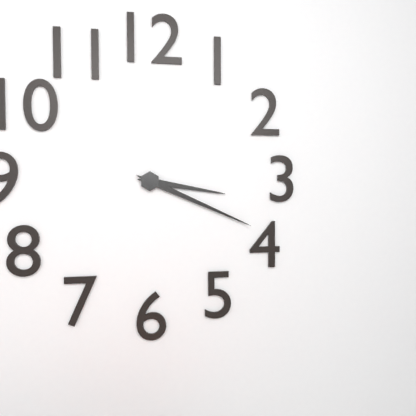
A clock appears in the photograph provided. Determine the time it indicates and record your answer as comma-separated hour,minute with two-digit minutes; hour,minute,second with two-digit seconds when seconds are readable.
3,19
